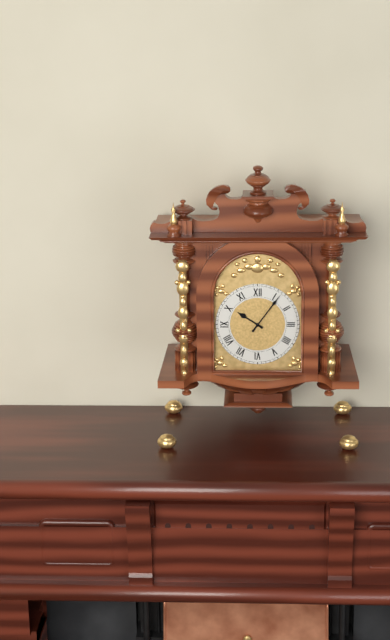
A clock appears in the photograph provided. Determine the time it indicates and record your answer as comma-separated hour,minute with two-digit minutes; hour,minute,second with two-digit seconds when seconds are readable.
10,06
